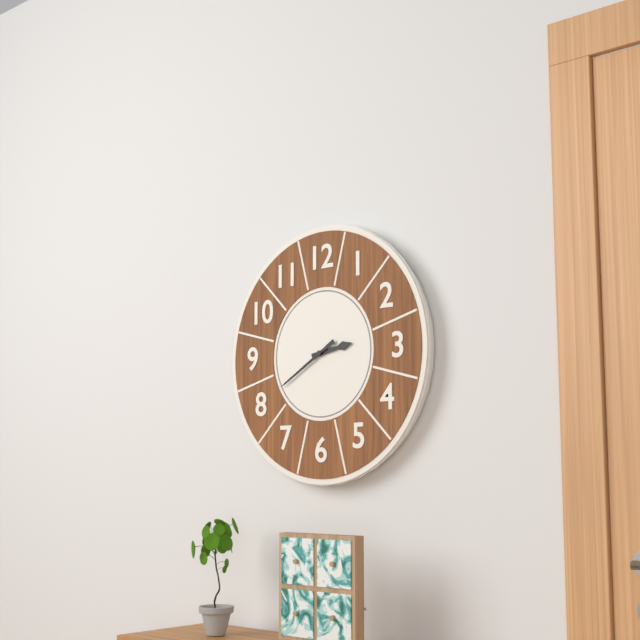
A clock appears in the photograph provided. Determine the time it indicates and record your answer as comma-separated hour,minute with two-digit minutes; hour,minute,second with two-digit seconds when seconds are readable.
2,40
